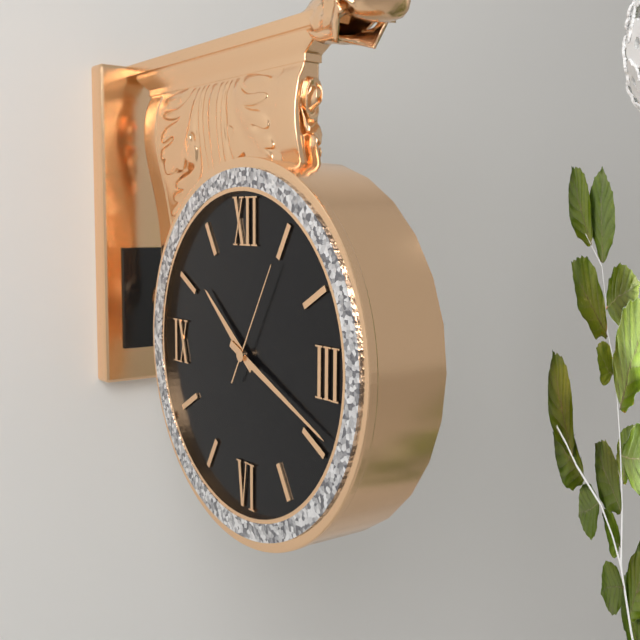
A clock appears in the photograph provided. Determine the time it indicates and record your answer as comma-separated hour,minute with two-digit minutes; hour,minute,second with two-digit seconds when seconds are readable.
10,19,05
